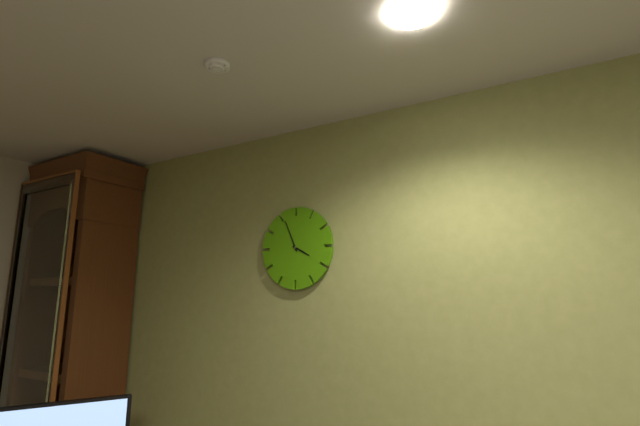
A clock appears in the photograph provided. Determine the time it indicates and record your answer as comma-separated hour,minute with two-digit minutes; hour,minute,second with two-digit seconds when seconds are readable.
3,56
